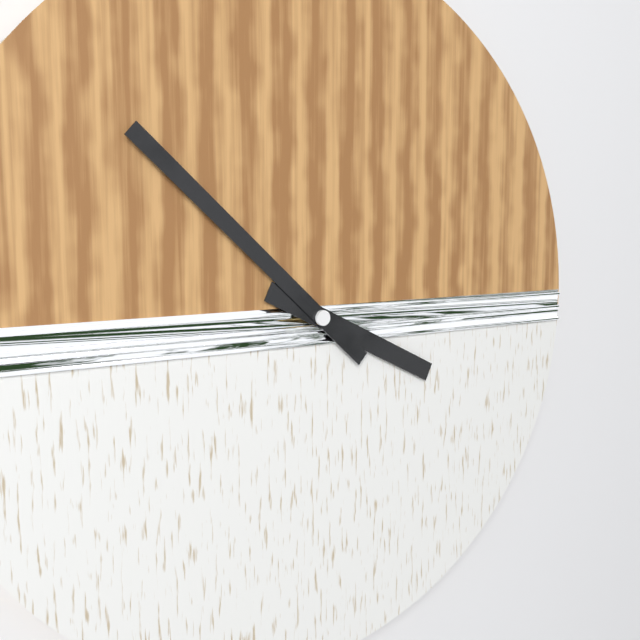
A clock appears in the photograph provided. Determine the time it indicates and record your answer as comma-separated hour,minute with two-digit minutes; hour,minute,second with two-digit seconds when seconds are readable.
3,52
